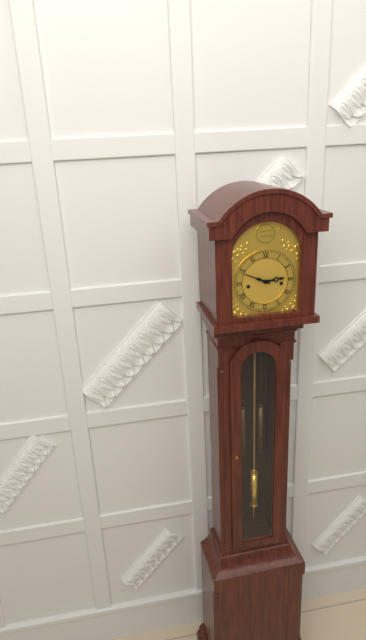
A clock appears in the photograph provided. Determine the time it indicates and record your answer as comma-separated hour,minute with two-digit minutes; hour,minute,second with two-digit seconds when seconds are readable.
2,49
